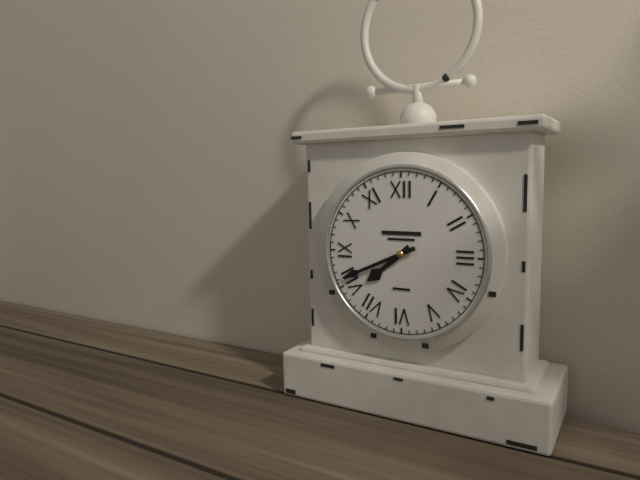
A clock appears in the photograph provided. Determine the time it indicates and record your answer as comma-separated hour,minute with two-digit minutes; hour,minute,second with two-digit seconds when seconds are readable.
7,41
